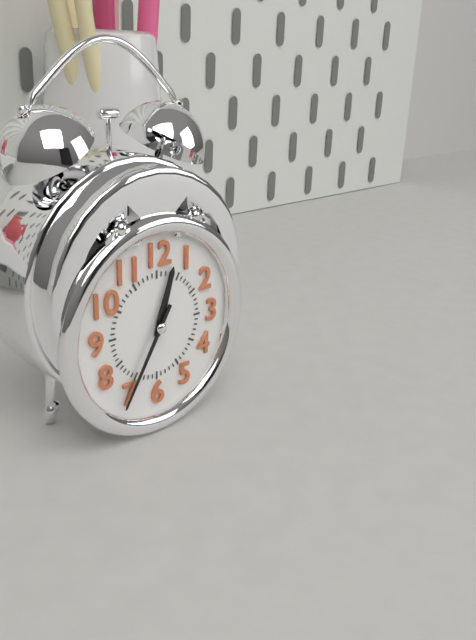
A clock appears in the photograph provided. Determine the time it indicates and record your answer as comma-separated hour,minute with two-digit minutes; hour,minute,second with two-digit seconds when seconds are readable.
12,35
